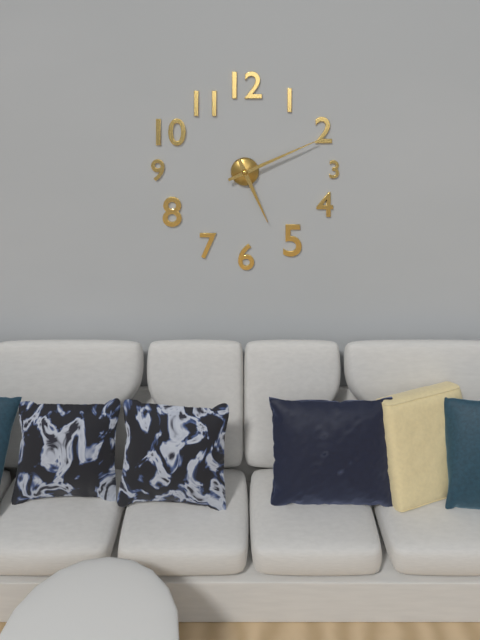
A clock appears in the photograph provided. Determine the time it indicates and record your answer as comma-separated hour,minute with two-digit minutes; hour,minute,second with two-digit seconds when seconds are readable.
5,11
